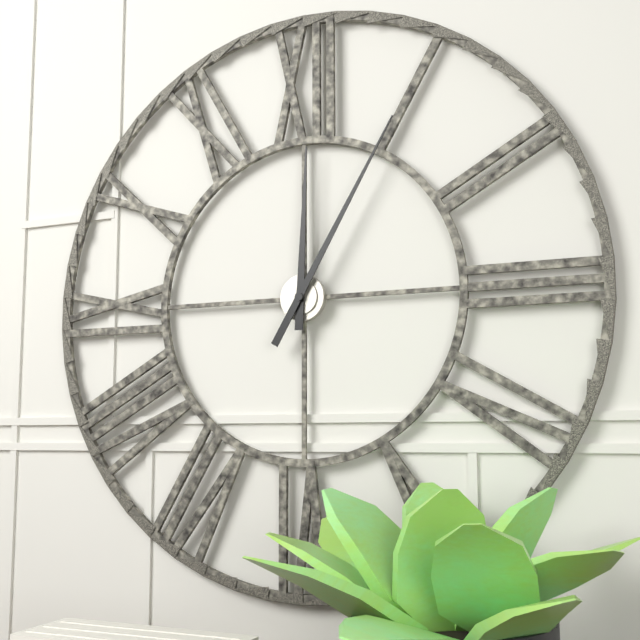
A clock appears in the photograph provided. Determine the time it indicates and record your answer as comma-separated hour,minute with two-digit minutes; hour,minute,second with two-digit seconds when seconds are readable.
12,05
